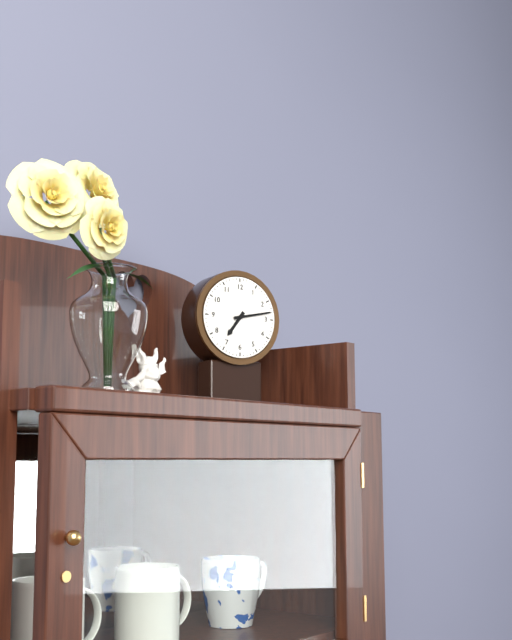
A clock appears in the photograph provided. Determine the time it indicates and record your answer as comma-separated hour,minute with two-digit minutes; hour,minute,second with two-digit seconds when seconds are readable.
7,13
